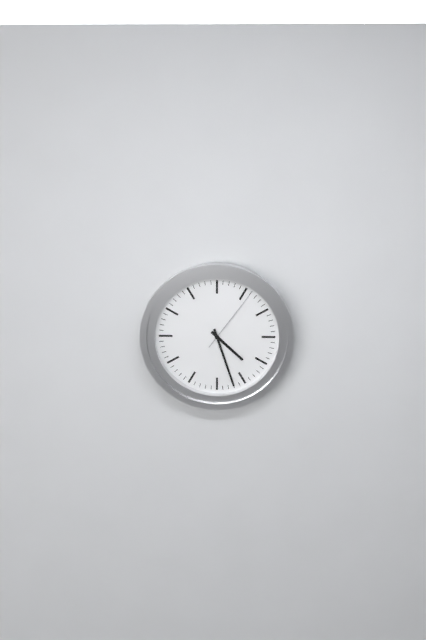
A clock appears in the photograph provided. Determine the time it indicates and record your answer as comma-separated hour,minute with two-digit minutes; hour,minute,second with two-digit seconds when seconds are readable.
4,27,06
